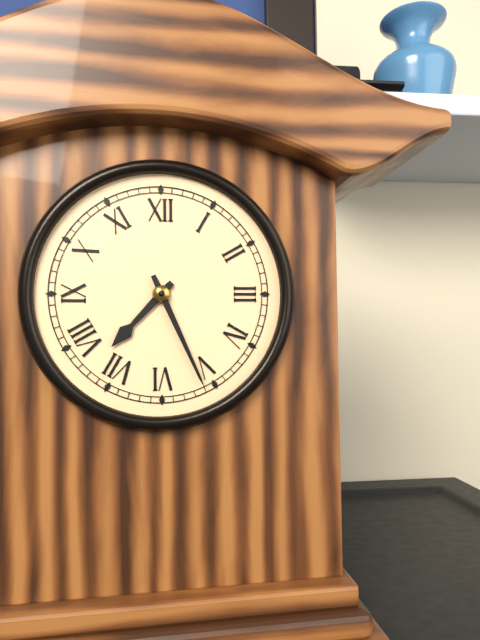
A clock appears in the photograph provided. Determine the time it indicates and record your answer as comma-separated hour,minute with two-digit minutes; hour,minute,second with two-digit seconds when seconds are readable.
7,26
